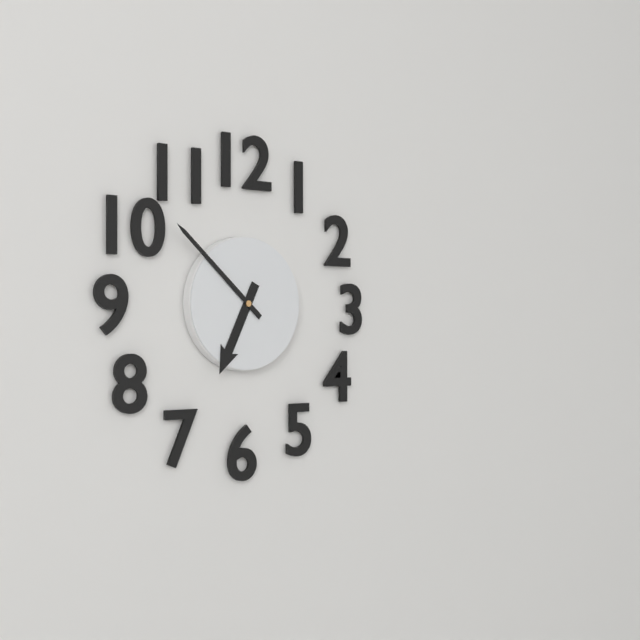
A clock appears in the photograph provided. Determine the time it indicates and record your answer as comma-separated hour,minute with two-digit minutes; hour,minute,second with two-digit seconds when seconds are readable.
6,52
